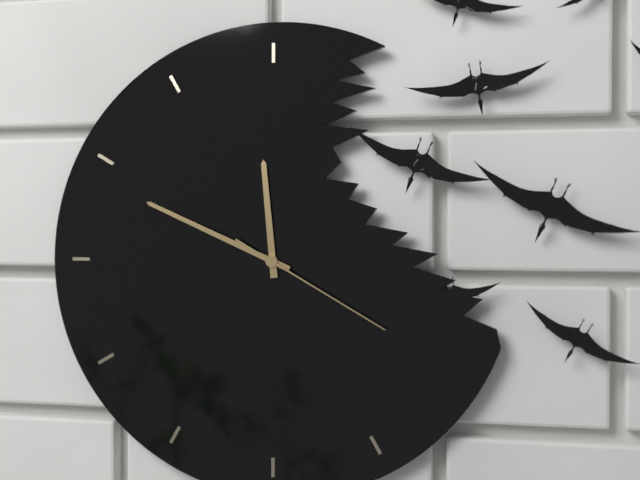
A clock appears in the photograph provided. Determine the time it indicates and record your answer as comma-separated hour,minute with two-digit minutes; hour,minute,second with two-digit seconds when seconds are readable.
11,49,20
